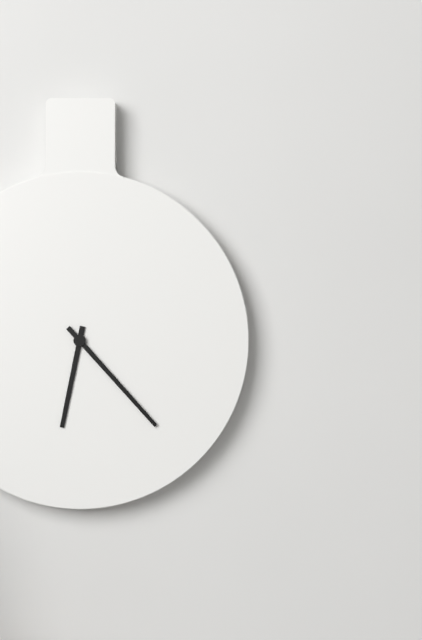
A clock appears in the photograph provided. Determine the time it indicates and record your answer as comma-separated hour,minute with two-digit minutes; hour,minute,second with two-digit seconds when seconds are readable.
6,23
